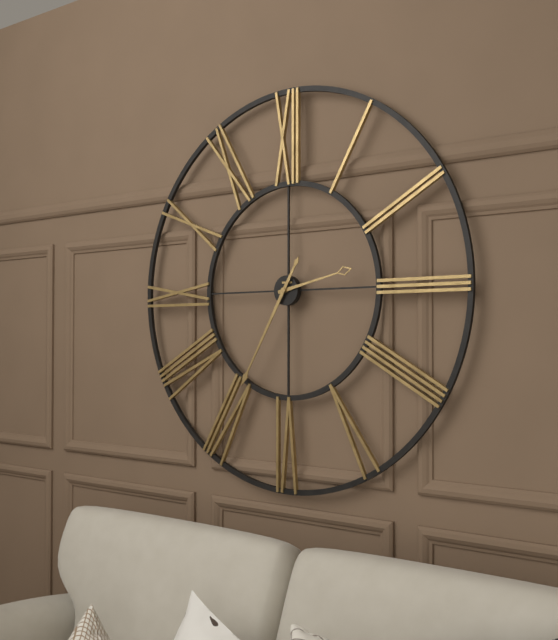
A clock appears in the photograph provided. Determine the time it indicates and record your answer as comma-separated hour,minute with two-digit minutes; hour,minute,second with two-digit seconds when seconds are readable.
2,35
